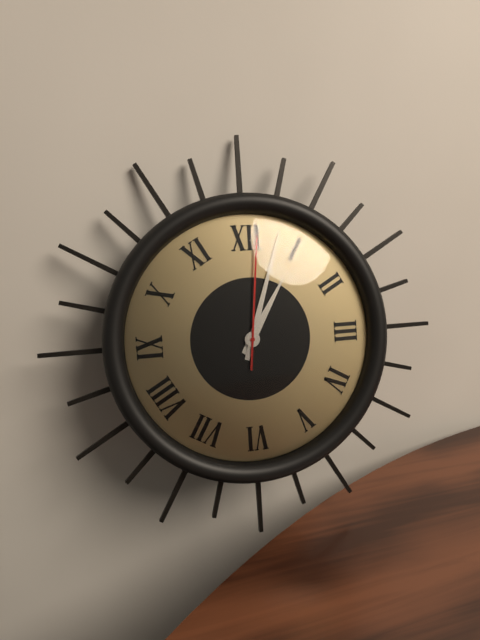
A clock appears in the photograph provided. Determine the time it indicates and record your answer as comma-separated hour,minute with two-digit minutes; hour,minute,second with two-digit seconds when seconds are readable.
1,03,01
